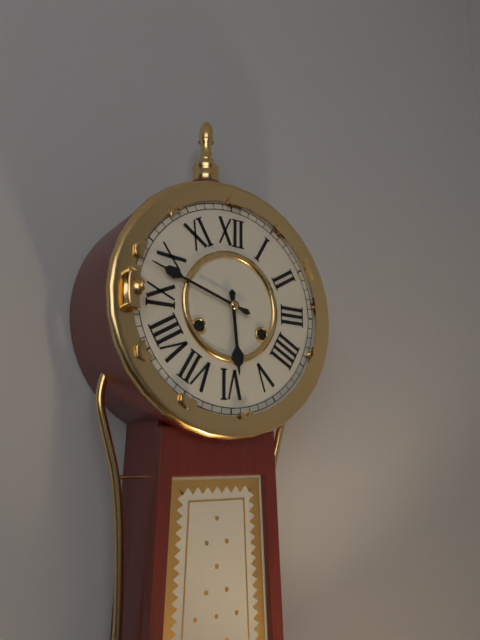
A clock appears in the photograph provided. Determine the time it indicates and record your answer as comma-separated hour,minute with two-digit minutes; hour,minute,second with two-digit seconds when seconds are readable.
5,48
